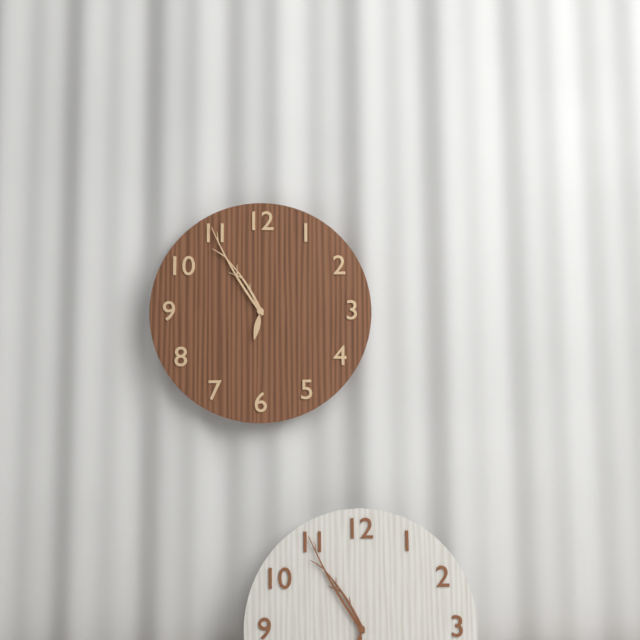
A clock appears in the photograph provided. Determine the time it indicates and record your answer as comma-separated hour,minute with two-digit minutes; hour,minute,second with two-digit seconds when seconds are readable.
10,55
